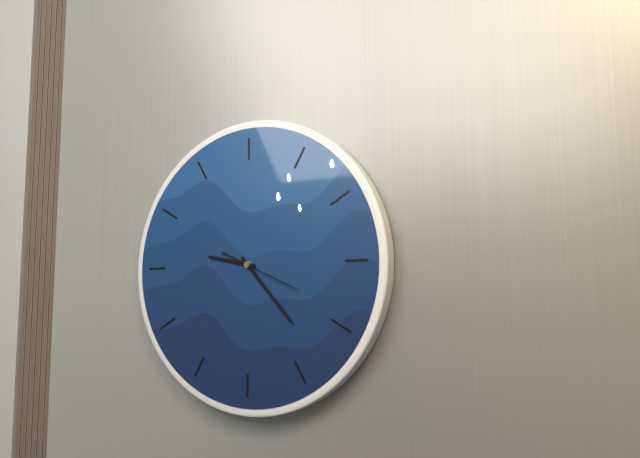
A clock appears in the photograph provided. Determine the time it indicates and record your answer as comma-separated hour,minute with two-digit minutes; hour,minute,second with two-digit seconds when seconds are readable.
9,23,19
